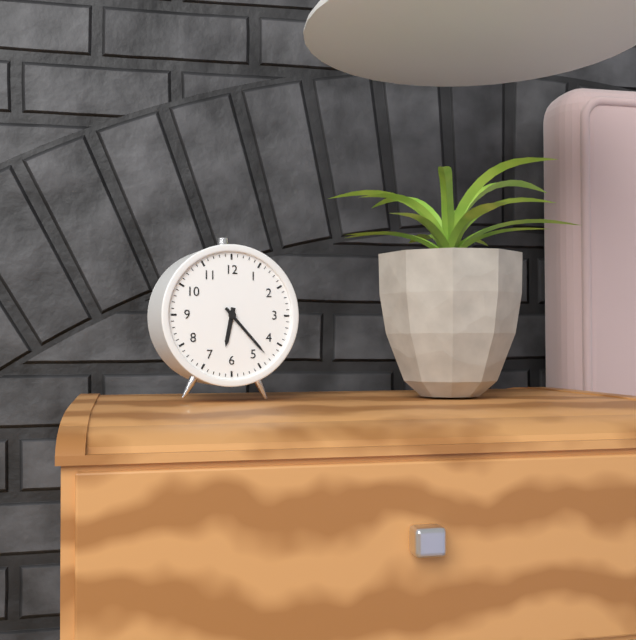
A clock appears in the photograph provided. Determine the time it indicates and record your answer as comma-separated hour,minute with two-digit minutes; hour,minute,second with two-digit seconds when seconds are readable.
6,23
